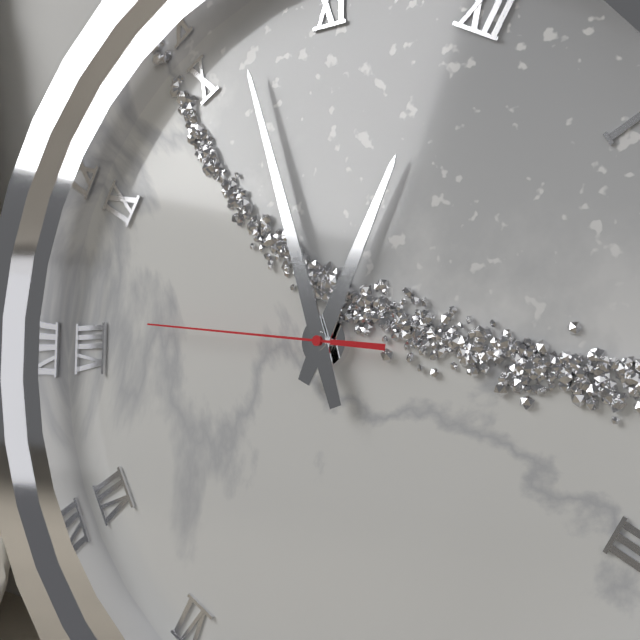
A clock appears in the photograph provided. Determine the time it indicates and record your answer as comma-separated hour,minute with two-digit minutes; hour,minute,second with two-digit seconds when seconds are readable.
11,52,41
